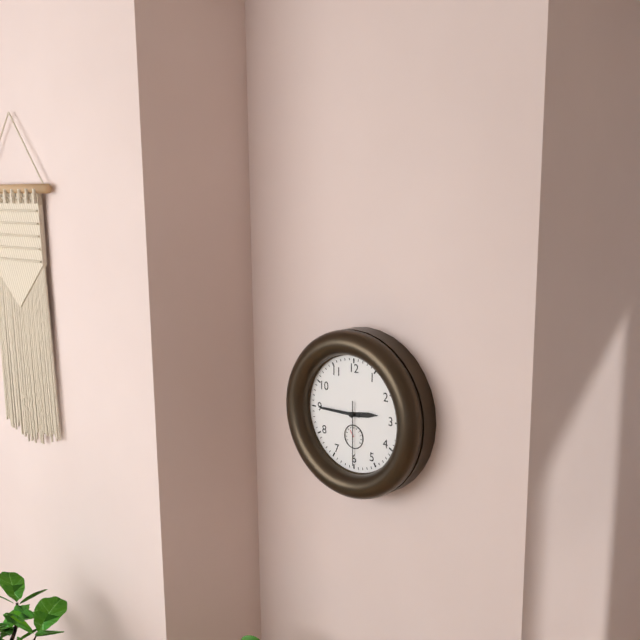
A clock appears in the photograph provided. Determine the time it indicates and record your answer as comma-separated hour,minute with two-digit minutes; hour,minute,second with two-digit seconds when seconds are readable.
2,45,30
